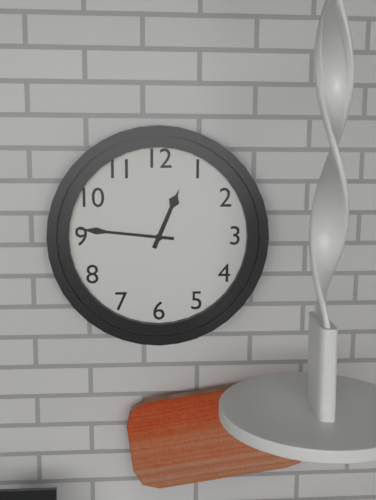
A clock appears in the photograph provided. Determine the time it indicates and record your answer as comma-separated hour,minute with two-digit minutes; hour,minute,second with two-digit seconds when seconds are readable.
12,46
